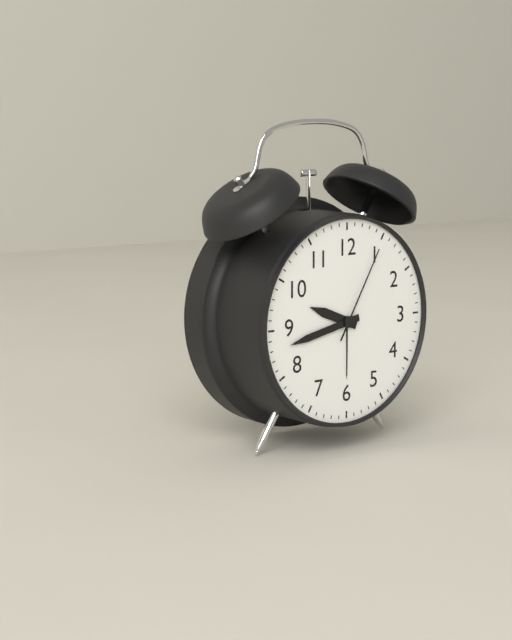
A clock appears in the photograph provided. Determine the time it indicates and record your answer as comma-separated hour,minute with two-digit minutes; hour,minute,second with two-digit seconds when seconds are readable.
9,43,05
